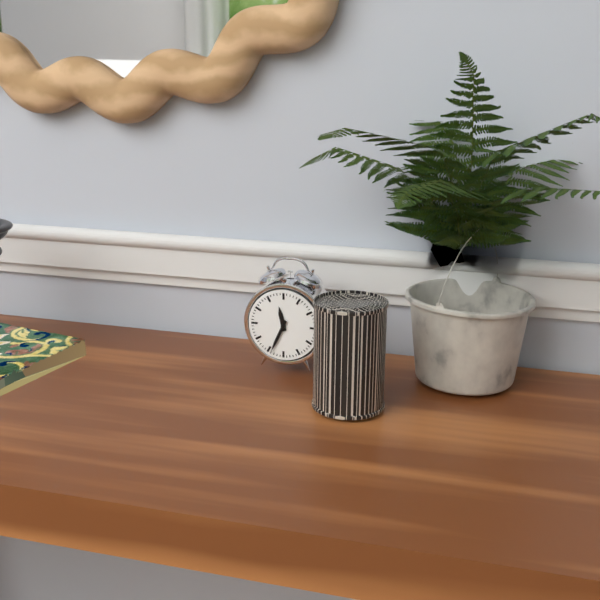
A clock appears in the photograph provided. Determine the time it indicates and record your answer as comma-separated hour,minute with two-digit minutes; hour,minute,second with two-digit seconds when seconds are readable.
11,34
